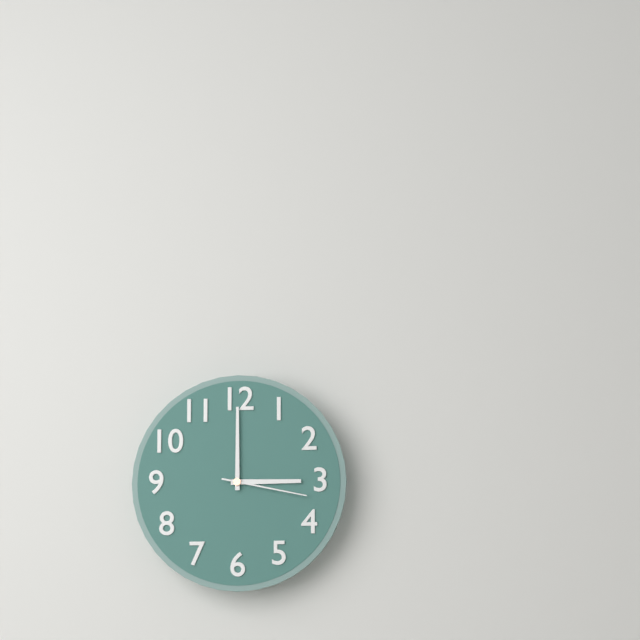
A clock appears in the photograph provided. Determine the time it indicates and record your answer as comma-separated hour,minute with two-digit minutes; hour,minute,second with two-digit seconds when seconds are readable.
3,00,17
